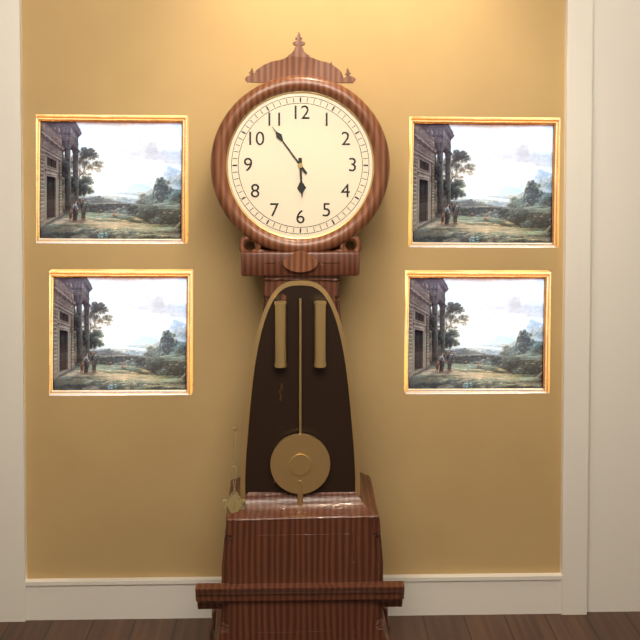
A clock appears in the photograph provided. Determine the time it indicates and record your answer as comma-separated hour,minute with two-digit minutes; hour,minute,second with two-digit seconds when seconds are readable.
5,54
